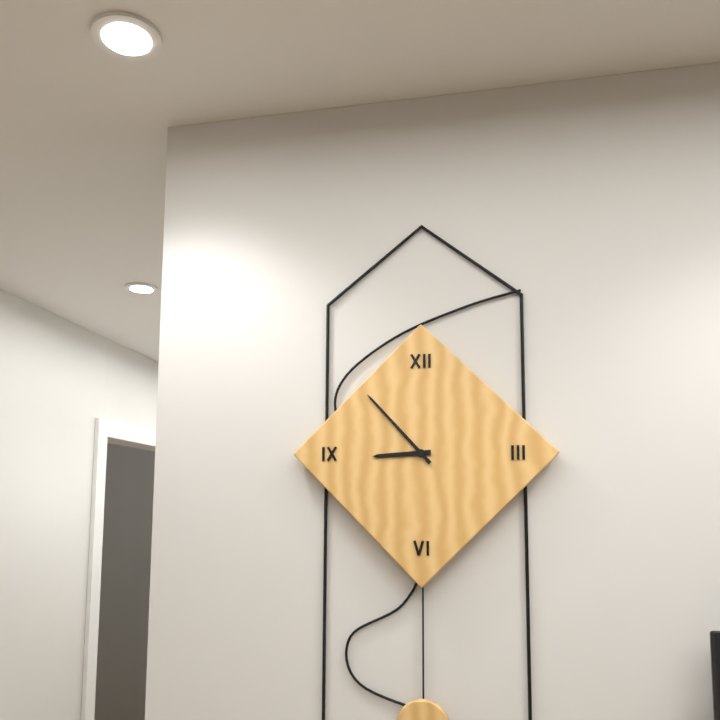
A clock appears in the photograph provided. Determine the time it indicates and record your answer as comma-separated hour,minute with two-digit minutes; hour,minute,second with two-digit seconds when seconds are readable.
8,53
